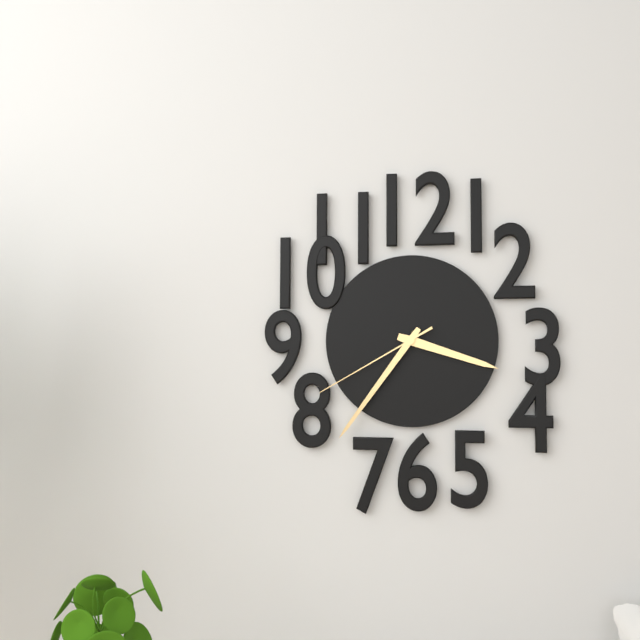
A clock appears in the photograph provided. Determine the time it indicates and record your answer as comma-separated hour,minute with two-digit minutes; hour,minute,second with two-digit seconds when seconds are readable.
3,36,40
